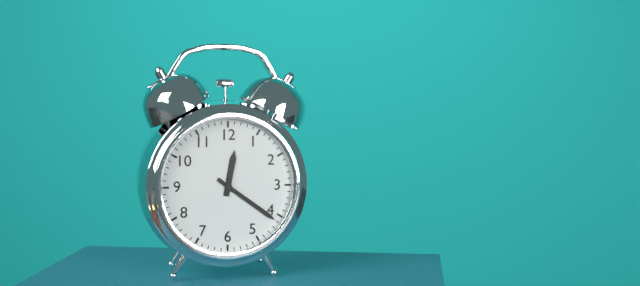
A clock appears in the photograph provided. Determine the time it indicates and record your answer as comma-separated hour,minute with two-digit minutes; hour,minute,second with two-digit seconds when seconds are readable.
12,21
